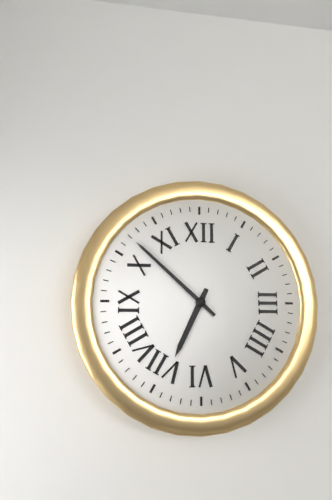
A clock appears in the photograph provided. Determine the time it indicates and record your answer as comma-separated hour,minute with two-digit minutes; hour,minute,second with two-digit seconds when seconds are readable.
6,52
